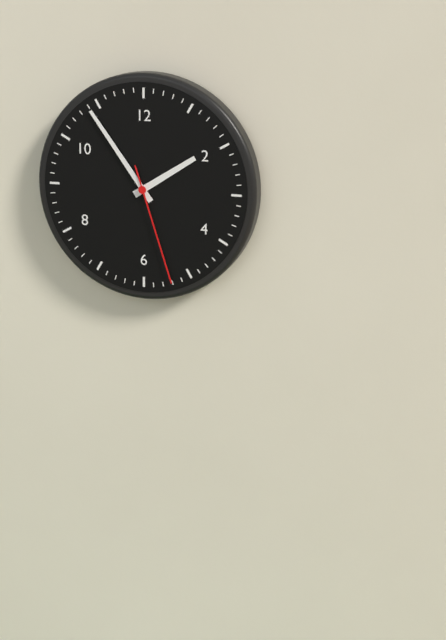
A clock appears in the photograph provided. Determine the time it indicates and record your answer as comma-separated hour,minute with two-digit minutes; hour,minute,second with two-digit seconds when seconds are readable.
1,54,27
